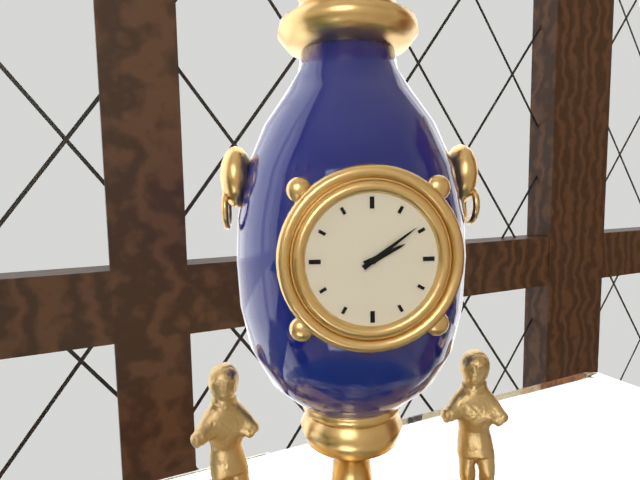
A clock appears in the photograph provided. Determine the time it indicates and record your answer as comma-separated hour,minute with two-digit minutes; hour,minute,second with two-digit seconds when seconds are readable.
2,09
